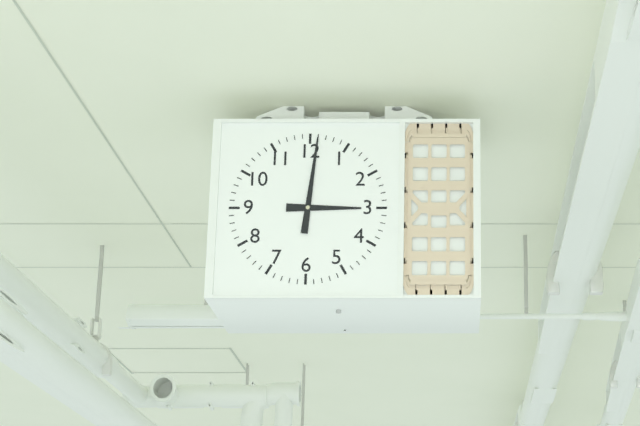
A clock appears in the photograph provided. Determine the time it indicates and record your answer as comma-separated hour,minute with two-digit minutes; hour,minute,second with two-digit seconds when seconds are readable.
3,01
